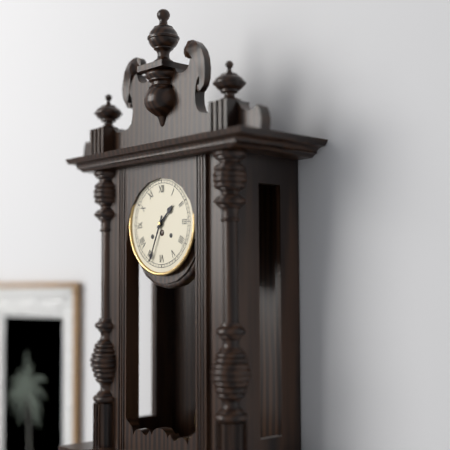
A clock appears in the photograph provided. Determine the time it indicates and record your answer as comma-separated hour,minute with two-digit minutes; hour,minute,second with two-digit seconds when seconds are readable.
1,34
